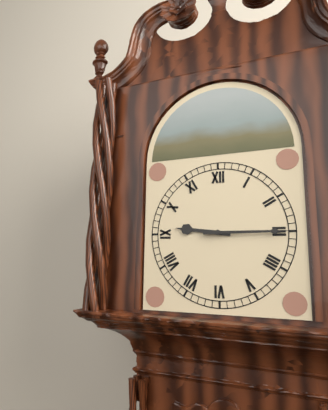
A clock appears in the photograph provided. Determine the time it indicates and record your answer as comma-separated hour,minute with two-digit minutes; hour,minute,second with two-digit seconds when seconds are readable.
9,15
